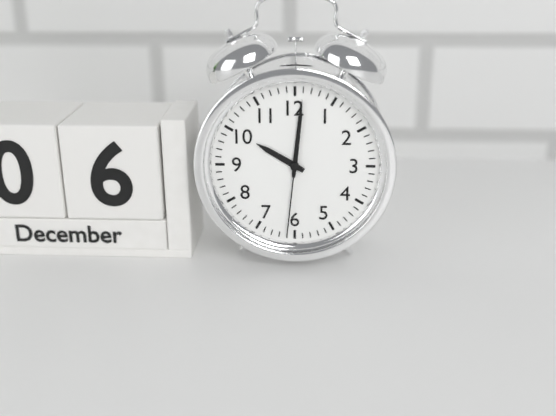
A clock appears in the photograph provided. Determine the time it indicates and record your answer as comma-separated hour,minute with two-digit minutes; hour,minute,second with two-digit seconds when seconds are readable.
10,01,31
